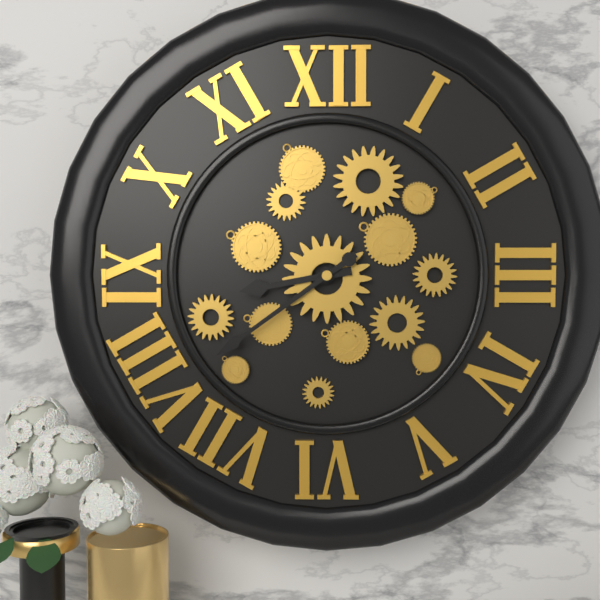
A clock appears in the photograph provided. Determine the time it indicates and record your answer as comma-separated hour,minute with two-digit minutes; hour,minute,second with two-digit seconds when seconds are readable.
8,39
